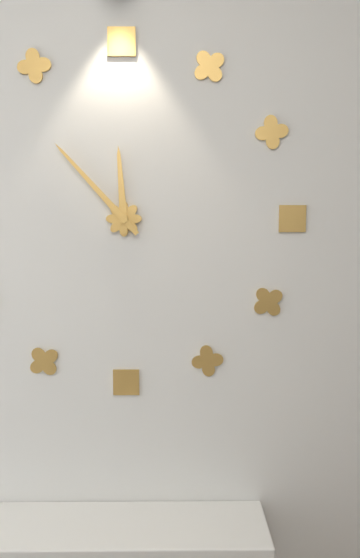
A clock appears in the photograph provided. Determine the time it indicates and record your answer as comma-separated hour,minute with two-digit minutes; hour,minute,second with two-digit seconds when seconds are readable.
11,53
